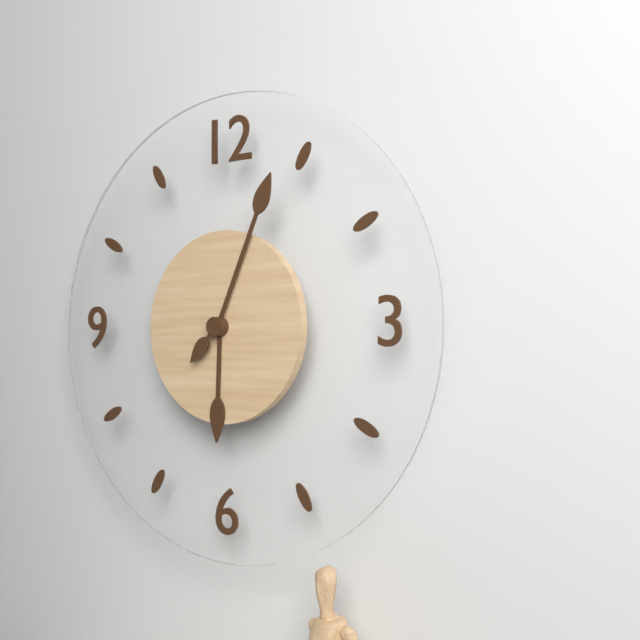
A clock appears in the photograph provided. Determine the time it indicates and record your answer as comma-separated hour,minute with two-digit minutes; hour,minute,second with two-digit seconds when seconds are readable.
6,04,37
